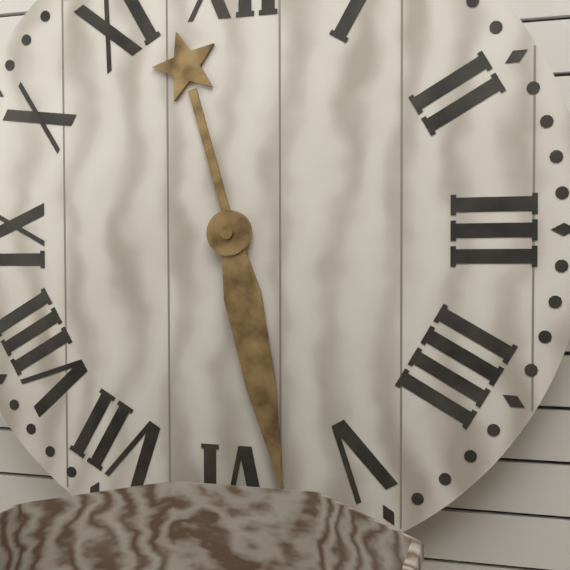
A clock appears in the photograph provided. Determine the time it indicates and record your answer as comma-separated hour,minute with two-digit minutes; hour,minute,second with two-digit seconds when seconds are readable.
11,28
